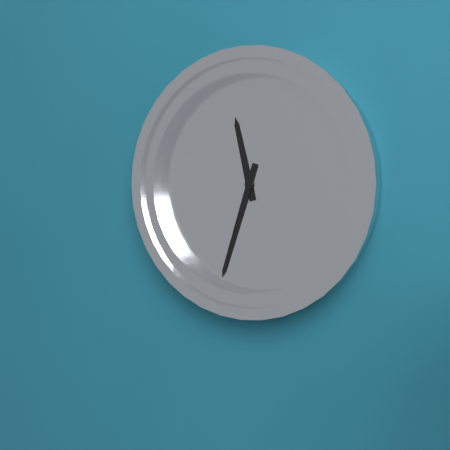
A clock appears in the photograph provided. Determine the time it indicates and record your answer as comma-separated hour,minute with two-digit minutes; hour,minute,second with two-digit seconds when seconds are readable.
11,33
